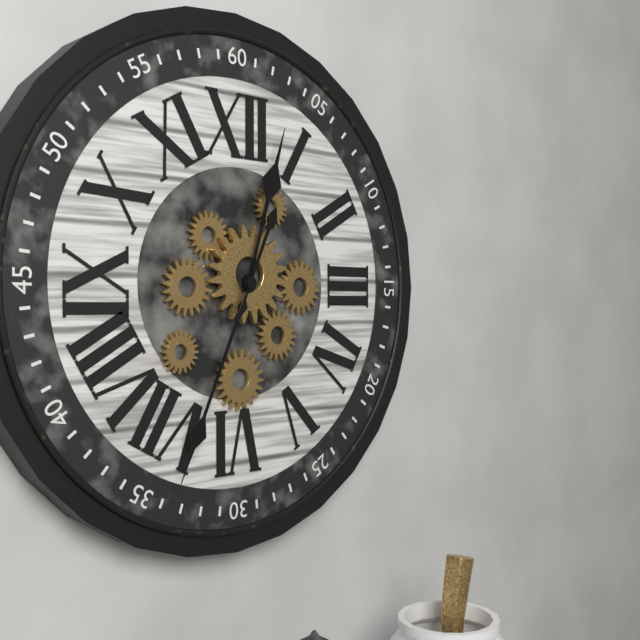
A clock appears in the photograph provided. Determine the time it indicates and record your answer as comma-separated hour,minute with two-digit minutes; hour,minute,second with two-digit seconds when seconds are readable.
12,34
